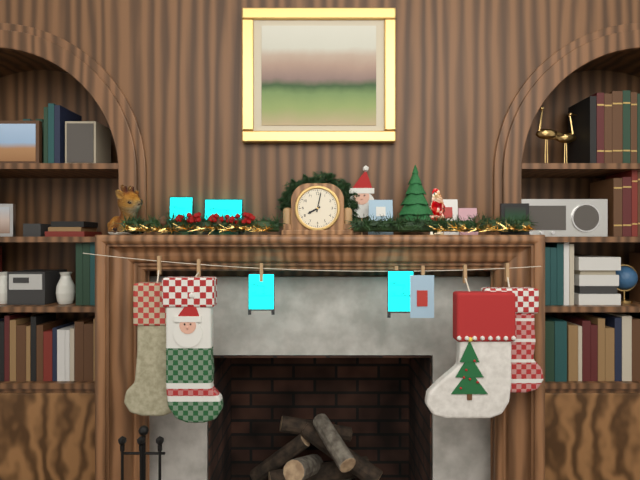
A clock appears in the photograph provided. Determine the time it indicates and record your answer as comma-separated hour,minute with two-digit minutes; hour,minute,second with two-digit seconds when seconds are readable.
8,02
